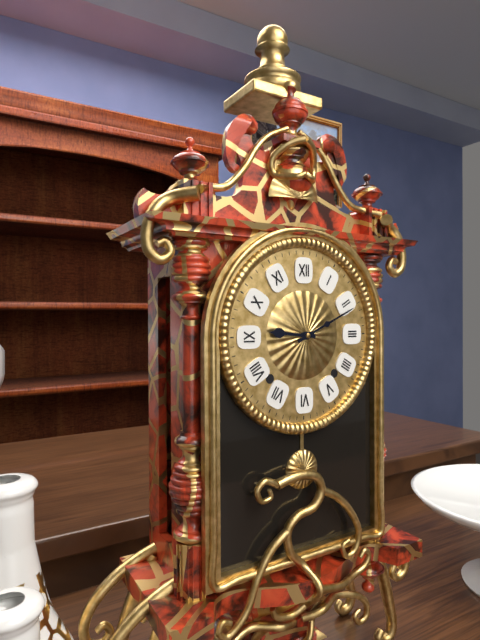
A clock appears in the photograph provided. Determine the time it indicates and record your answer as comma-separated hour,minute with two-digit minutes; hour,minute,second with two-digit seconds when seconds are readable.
9,11
